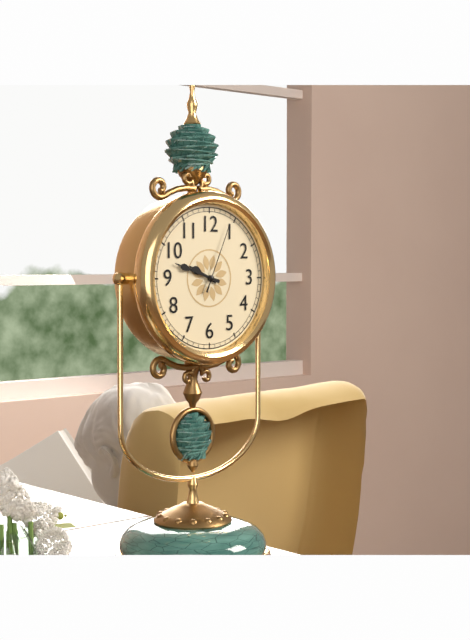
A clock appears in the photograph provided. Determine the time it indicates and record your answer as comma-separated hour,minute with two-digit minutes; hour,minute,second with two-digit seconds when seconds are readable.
9,48,04
